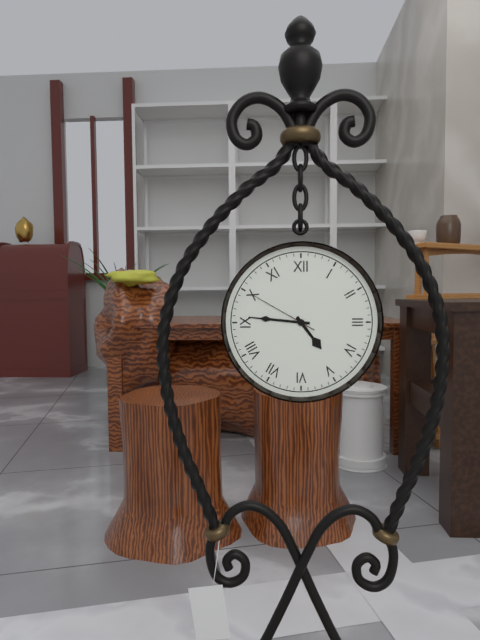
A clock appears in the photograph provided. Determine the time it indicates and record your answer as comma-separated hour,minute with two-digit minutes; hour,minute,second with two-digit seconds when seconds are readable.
4,46,50
